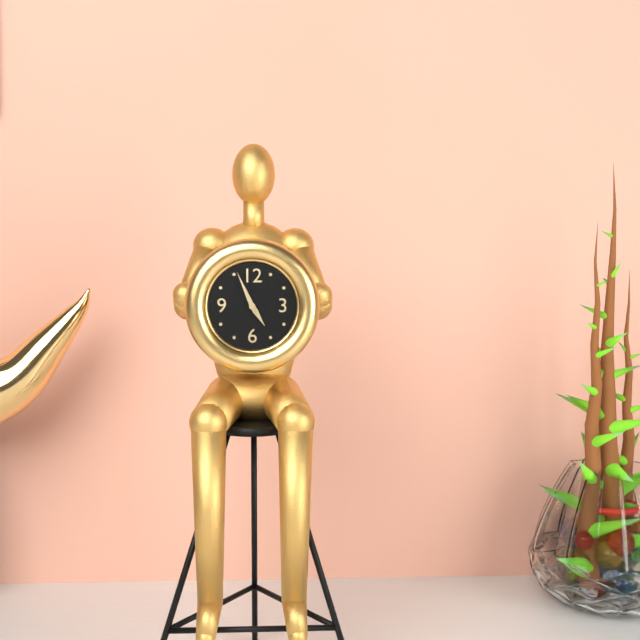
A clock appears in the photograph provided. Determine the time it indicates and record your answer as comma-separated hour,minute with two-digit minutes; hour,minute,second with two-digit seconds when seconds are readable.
4,56
